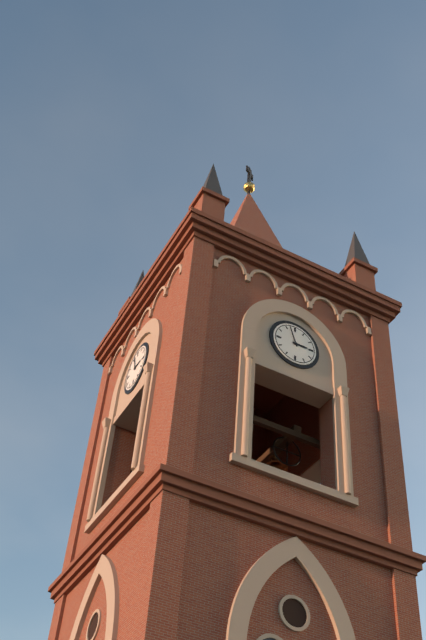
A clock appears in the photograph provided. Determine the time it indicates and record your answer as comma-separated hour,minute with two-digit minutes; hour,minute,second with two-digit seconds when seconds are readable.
2,57
